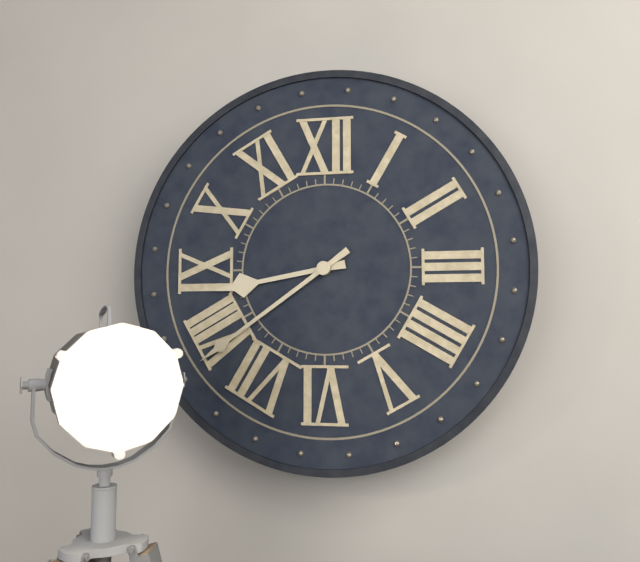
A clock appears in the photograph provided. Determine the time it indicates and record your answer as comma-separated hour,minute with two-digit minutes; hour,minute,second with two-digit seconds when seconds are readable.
8,39
